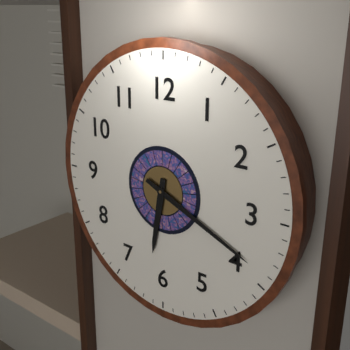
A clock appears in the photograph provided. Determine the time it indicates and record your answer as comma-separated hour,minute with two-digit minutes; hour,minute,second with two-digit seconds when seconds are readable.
6,19
